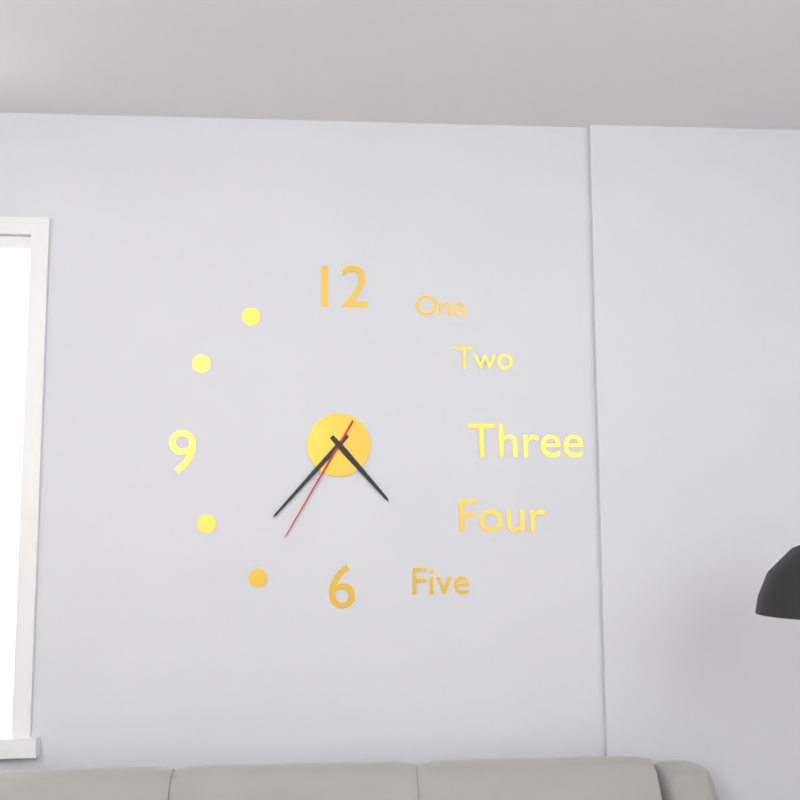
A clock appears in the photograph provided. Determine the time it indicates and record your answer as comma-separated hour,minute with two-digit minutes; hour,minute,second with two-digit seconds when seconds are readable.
4,37,35
